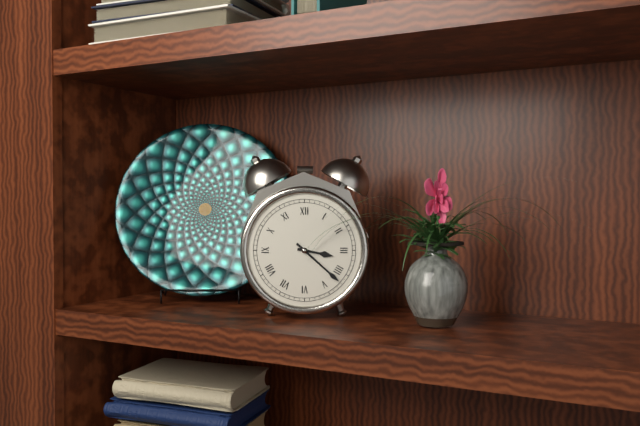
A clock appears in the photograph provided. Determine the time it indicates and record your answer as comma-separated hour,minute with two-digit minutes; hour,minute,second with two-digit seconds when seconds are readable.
3,22
